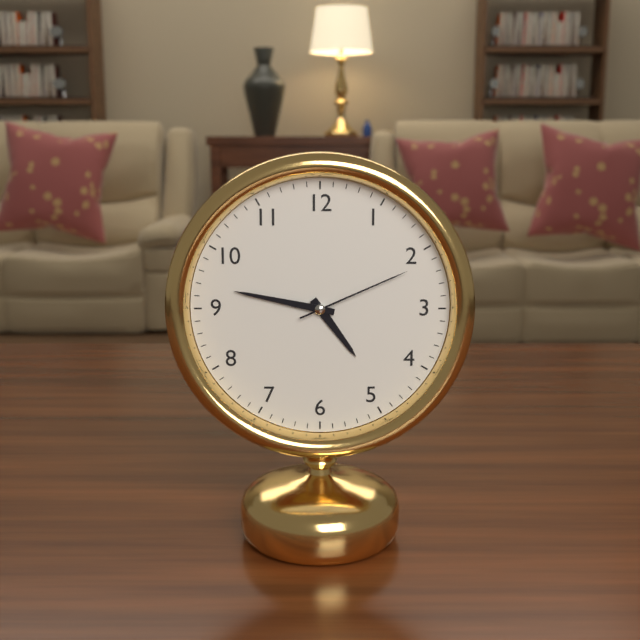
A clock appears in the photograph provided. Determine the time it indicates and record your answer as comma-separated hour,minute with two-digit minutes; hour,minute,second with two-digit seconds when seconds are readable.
4,47,11
